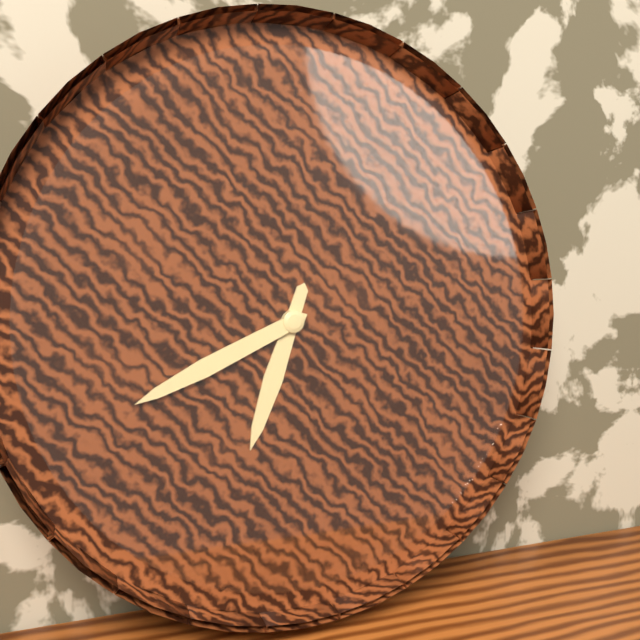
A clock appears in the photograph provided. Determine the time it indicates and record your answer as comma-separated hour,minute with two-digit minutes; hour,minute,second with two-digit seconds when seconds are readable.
6,41
